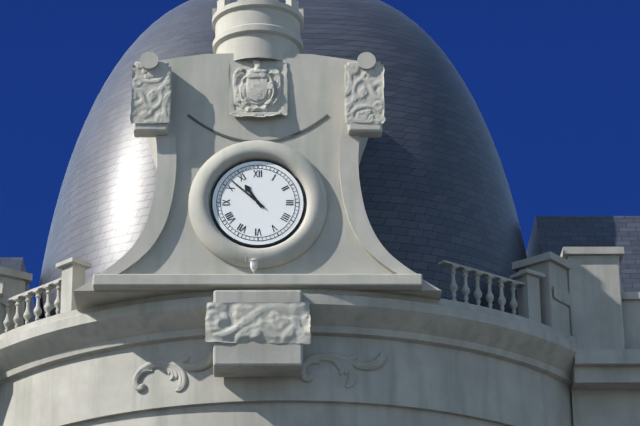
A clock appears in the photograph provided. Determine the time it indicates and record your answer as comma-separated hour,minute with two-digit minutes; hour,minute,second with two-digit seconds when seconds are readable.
10,52
